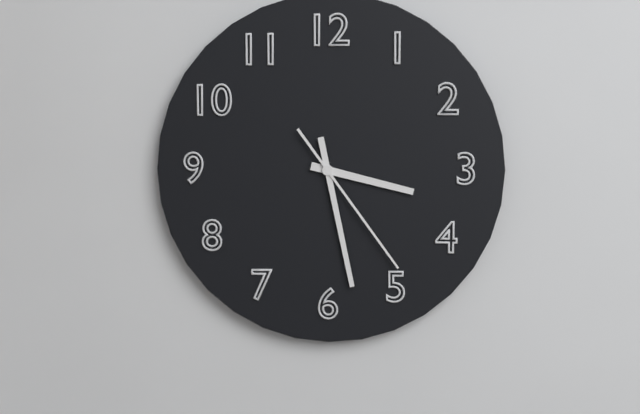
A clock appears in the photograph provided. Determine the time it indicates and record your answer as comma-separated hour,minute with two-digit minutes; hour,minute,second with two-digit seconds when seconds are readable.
3,28,24
